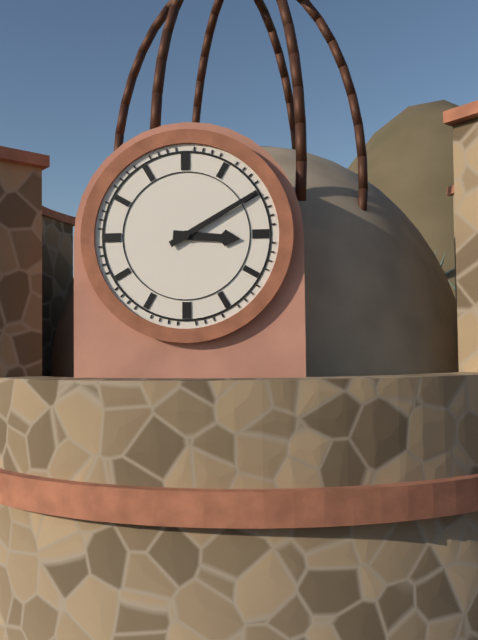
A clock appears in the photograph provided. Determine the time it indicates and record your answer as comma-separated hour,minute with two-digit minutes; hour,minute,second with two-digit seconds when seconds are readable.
3,10
